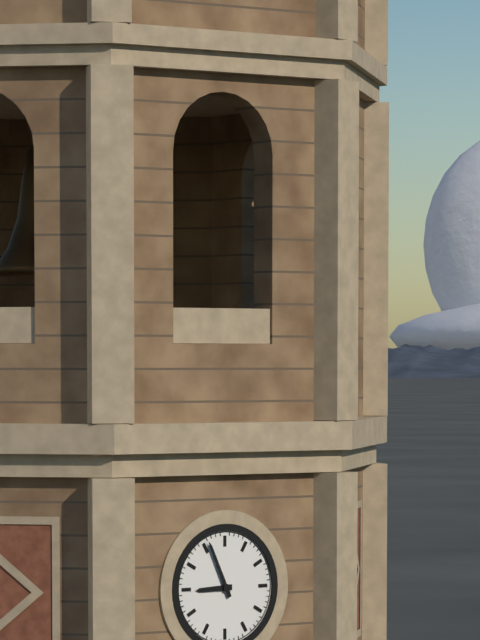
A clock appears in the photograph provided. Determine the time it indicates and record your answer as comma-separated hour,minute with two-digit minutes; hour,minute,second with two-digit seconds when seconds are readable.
8,56
